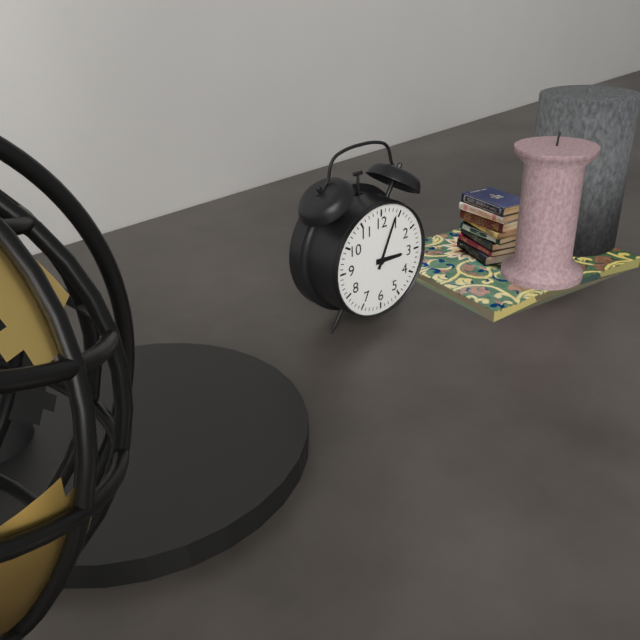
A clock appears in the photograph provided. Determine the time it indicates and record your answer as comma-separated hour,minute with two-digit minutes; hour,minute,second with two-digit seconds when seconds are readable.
3,04
